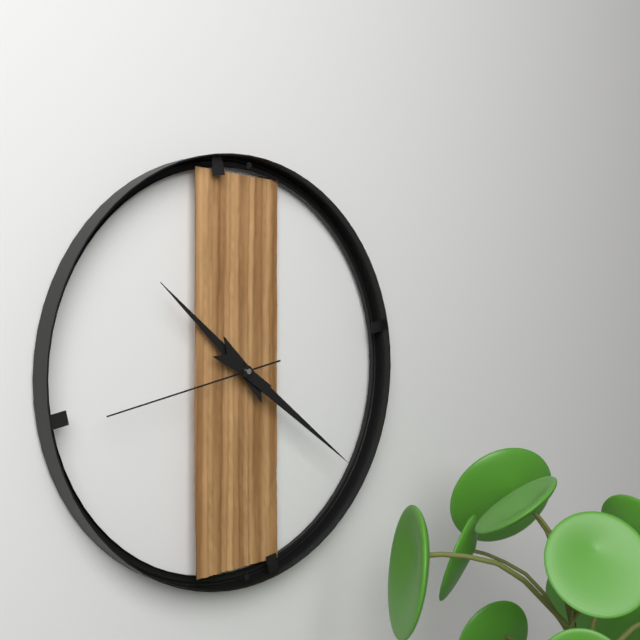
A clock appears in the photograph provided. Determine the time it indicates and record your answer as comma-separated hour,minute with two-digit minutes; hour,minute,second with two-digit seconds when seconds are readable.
10,21,43
